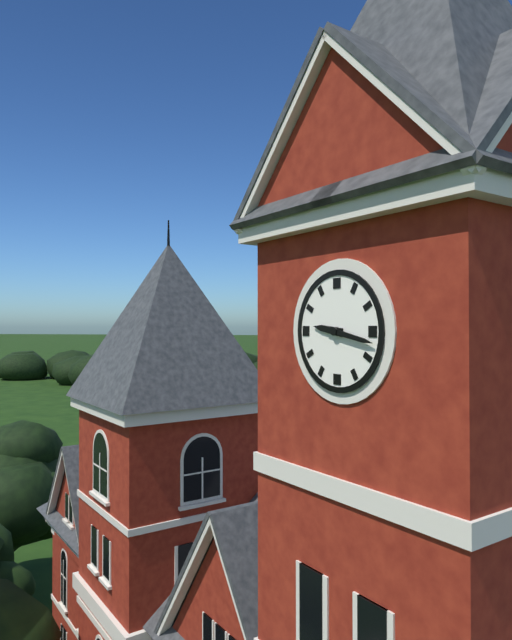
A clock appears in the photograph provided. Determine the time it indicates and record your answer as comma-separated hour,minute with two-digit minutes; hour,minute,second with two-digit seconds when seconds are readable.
9,17
